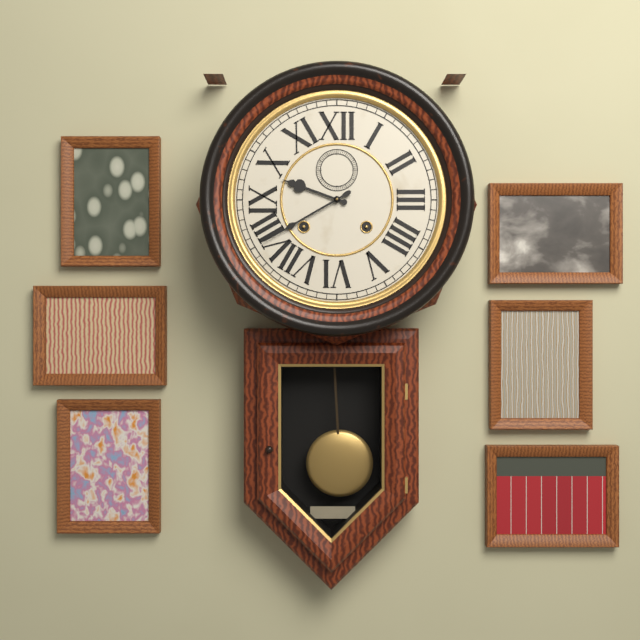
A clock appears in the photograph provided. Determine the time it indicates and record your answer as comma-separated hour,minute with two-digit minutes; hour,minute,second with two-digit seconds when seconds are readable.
9,40
